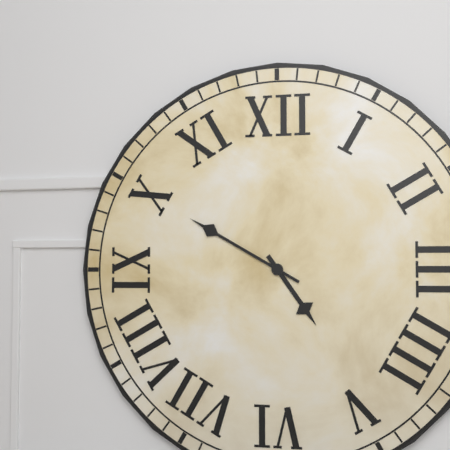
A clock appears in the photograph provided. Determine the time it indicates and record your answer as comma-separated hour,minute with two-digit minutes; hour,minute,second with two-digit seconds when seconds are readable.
4,50
